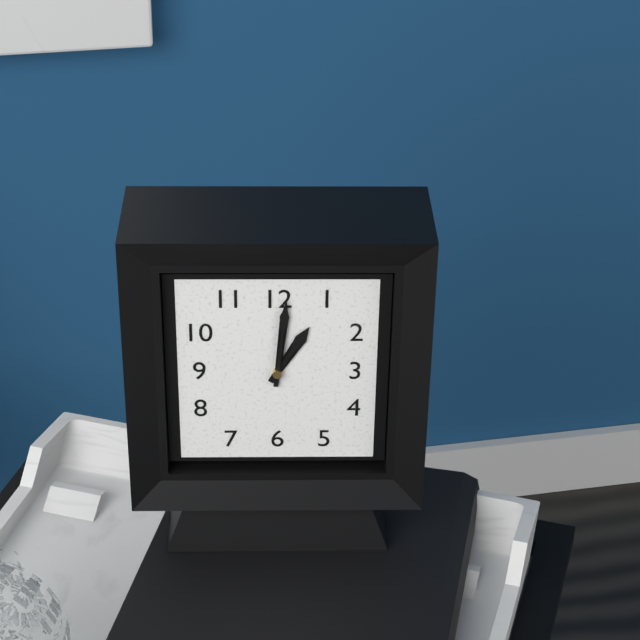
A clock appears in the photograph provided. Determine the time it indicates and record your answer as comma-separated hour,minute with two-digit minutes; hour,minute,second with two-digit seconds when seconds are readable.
1,01
